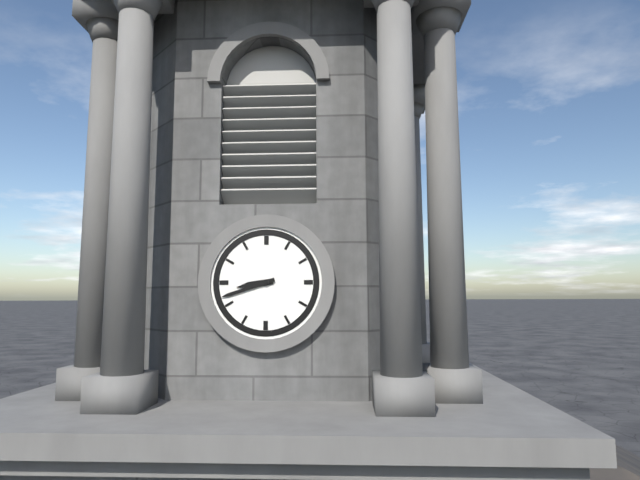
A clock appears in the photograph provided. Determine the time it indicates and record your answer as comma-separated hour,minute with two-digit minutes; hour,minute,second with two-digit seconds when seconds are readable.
8,42
